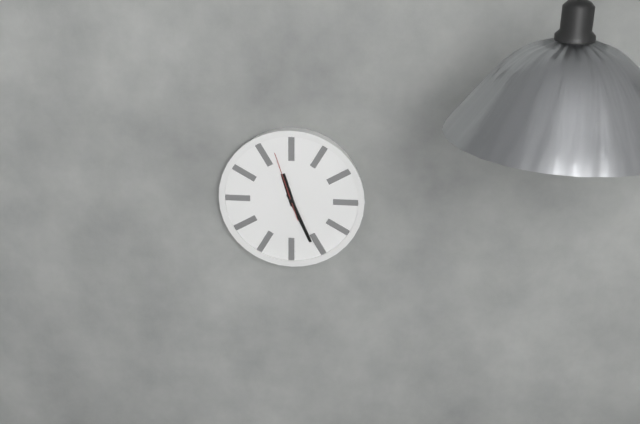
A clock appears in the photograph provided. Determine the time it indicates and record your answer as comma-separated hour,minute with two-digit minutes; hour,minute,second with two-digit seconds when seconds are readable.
11,26,57
